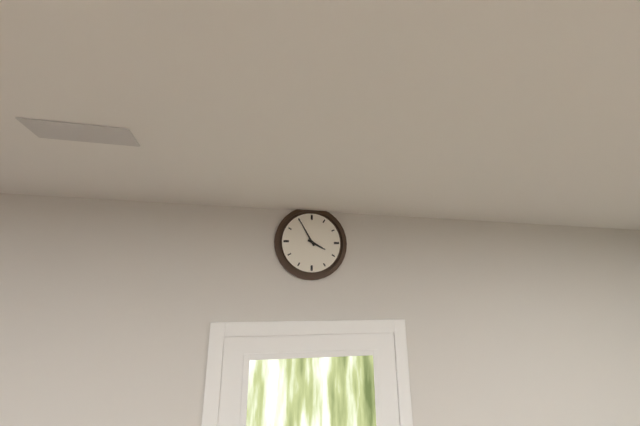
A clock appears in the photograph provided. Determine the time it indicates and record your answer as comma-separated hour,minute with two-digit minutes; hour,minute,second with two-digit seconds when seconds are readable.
3,55
